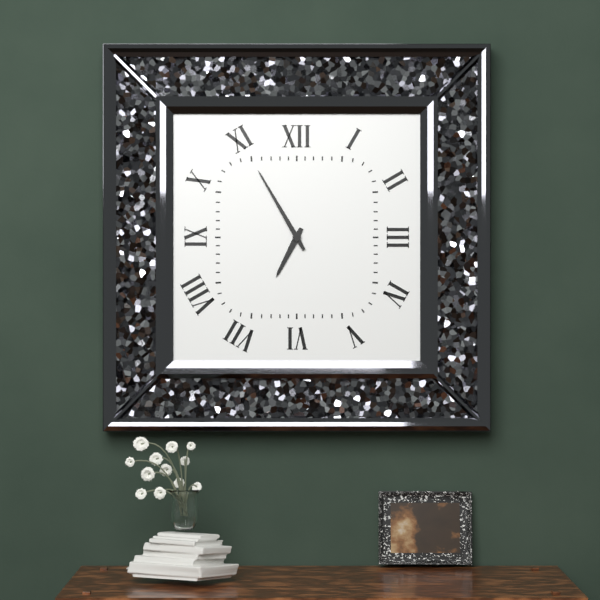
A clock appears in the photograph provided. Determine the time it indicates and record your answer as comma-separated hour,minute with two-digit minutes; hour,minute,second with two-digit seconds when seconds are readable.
6,55
